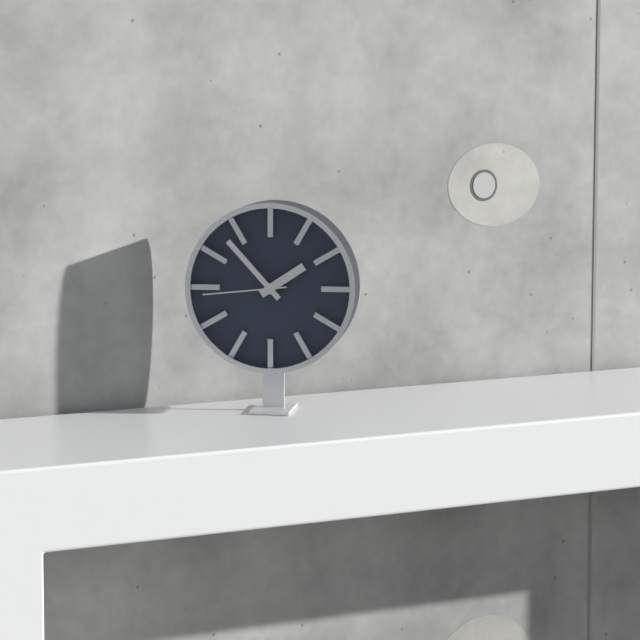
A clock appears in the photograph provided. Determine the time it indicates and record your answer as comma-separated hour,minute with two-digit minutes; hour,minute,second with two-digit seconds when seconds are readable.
1,53,44
